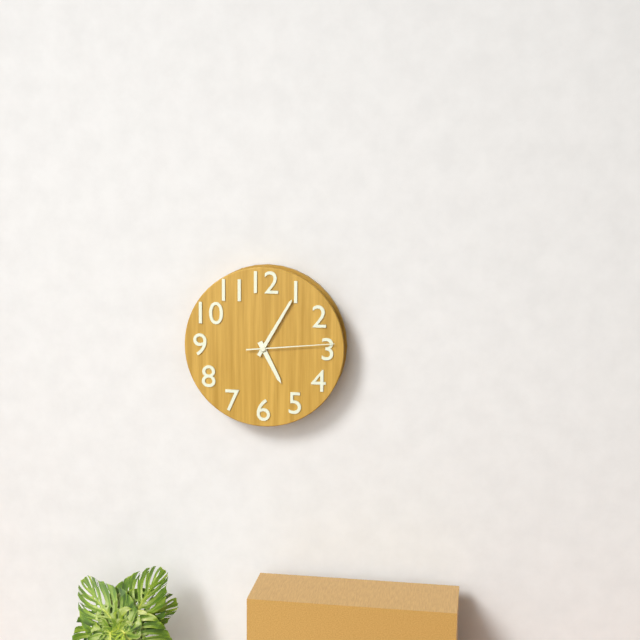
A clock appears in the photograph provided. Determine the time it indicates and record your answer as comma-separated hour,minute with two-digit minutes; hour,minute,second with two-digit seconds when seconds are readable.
5,05,14
